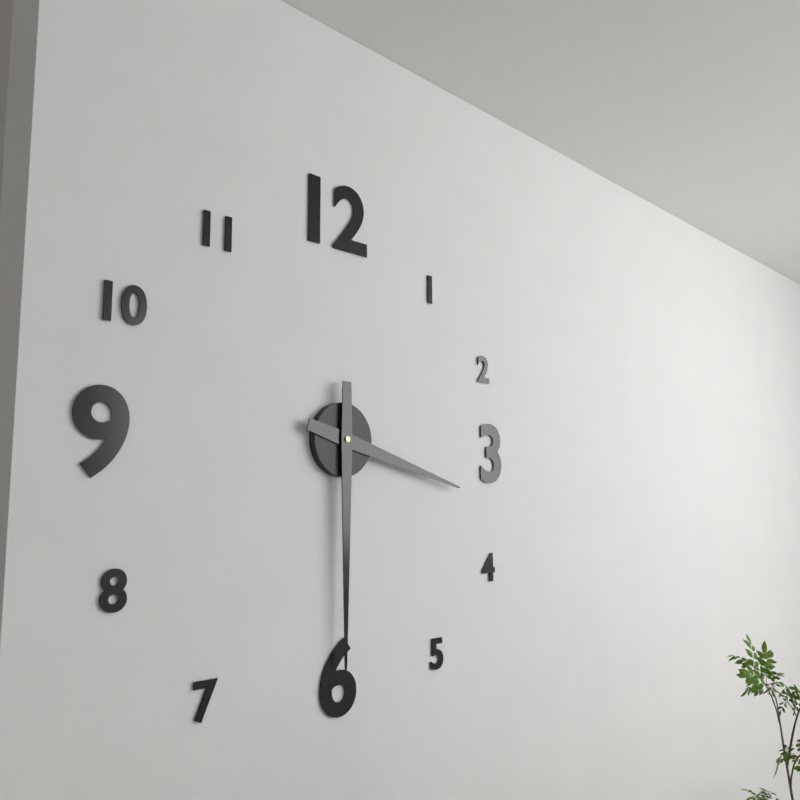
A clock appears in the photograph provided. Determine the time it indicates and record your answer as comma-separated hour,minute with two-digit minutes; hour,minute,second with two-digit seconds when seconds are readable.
3,30
